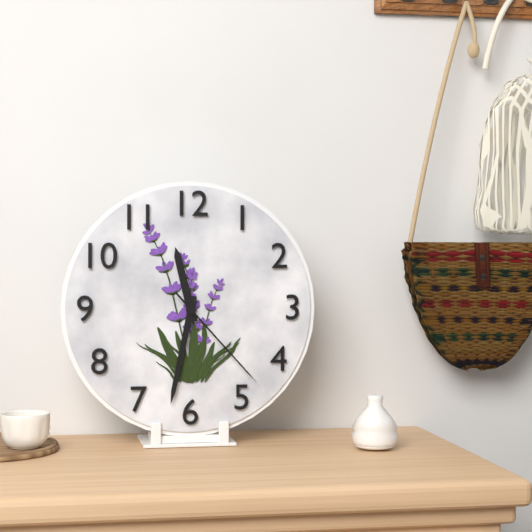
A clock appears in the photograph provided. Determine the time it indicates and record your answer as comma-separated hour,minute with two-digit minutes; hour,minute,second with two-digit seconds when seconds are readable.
11,32,23
